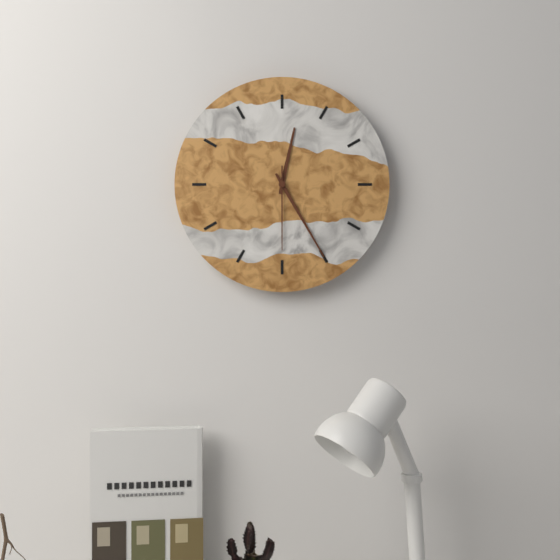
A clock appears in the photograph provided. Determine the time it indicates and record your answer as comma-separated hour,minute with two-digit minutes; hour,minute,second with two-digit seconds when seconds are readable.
12,25,30
